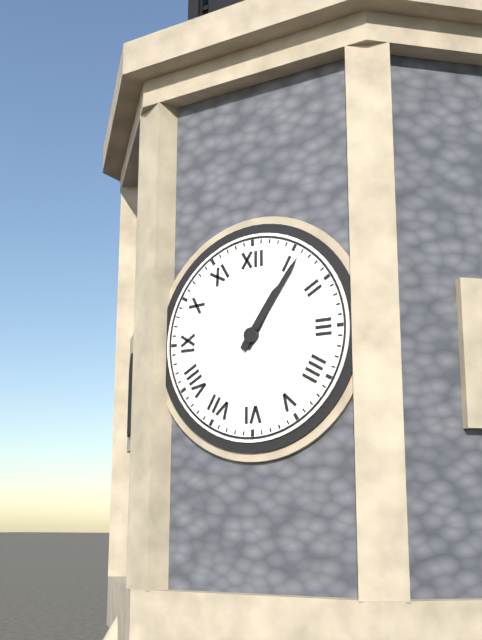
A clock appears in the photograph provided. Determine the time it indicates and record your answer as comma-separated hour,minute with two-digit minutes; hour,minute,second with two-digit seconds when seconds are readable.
1,06
